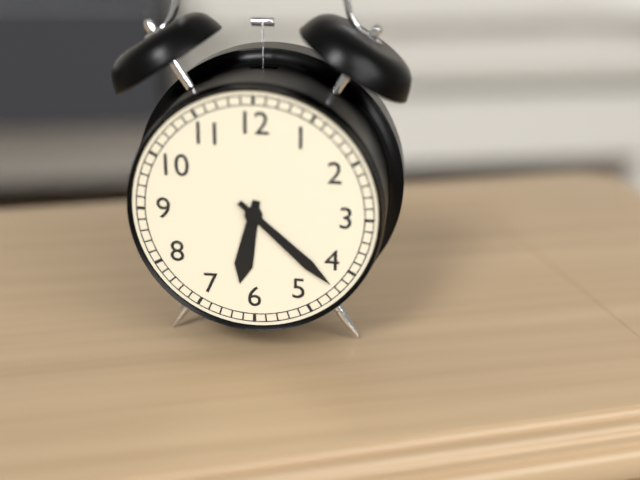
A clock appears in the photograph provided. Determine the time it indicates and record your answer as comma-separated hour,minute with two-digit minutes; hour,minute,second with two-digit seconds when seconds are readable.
6,22
